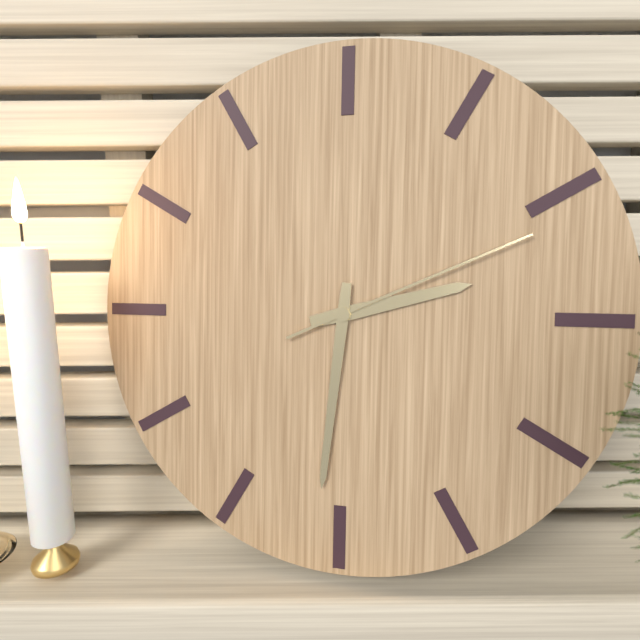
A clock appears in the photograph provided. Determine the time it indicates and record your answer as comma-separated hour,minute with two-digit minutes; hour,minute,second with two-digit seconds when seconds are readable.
2,31,11
